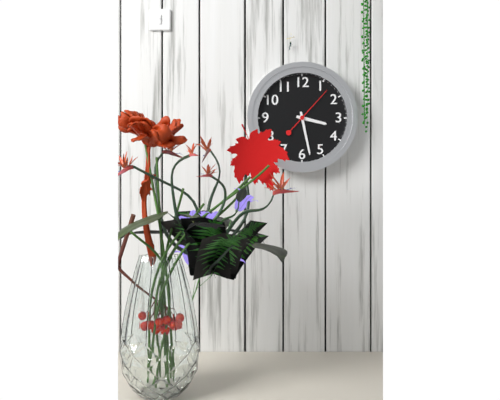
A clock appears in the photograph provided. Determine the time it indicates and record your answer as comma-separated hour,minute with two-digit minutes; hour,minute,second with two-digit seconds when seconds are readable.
3,28
